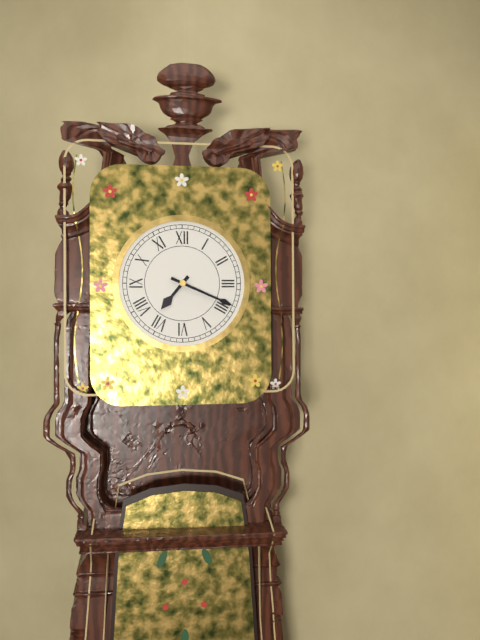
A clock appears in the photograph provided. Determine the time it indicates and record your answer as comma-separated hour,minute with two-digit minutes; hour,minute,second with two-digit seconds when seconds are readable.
7,19
